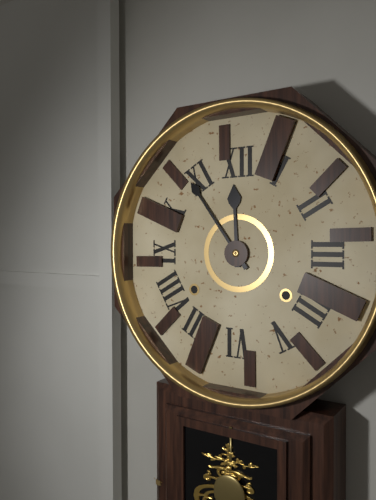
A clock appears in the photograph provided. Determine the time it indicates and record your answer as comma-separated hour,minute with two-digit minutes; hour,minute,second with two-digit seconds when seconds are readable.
11,54
